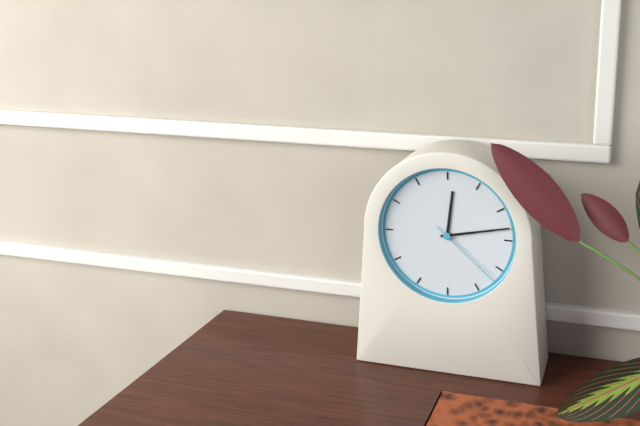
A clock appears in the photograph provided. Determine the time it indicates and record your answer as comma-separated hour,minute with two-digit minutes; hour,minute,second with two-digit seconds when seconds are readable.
12,13,22
